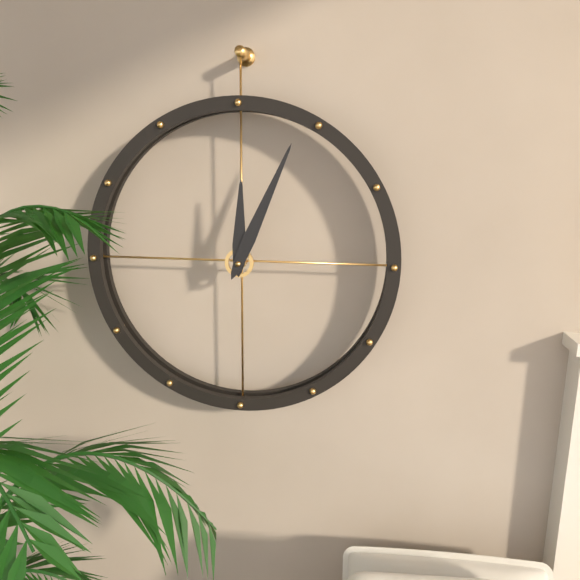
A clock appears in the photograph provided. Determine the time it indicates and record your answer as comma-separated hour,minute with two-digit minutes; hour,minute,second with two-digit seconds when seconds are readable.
12,04
